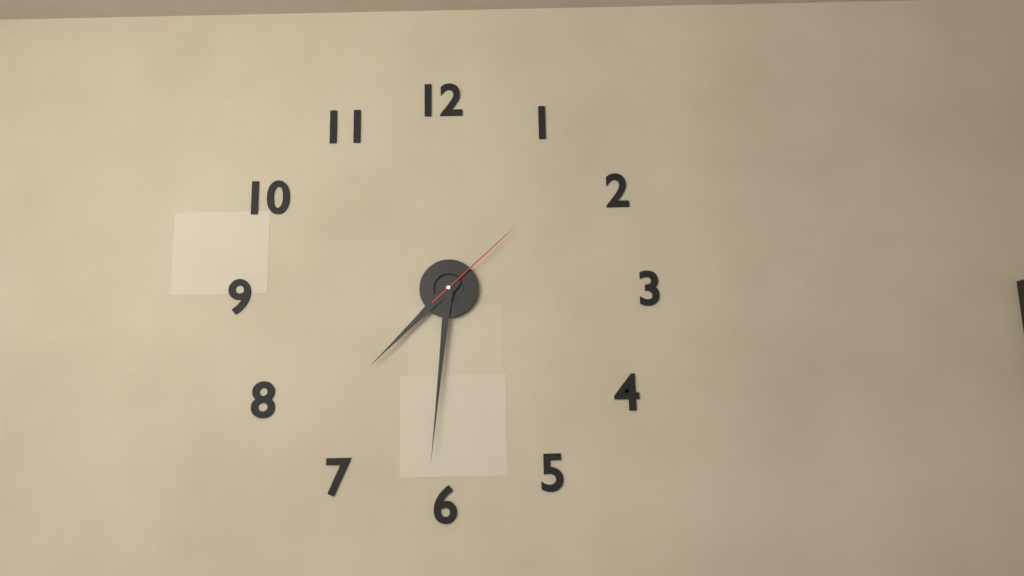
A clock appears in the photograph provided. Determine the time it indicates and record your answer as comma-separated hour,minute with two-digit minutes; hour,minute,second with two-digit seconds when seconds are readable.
7,31,08
